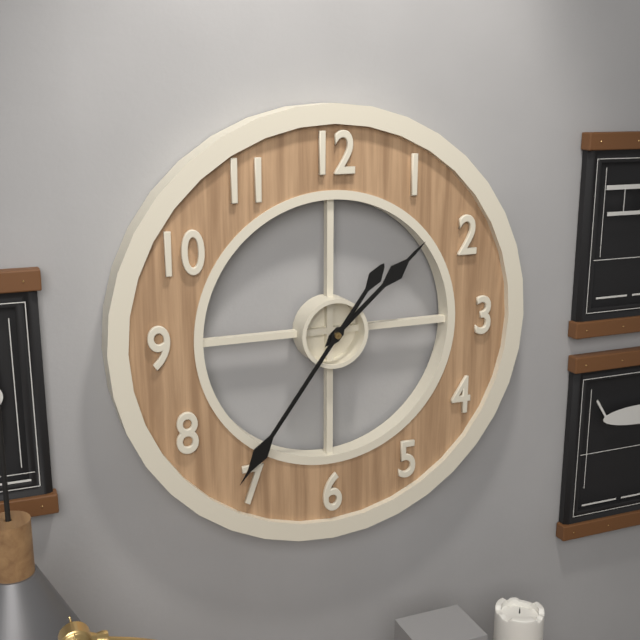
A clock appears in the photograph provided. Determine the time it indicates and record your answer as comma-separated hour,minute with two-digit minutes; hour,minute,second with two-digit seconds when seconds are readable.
1,36
